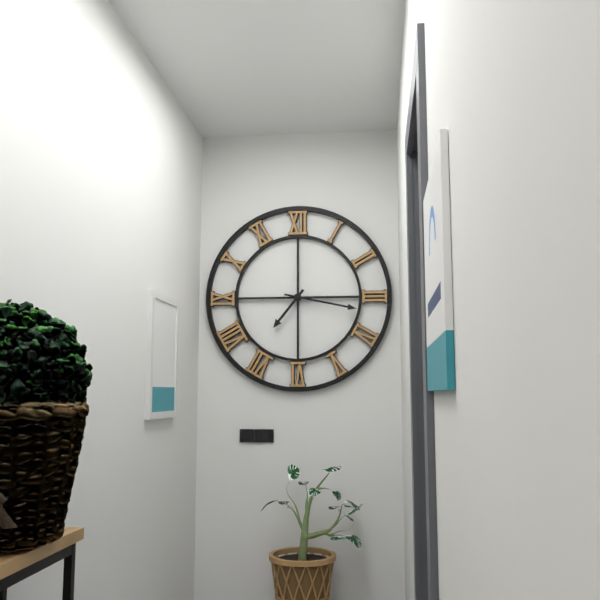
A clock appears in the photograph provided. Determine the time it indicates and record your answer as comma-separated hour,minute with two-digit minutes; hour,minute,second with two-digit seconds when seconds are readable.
7,17
